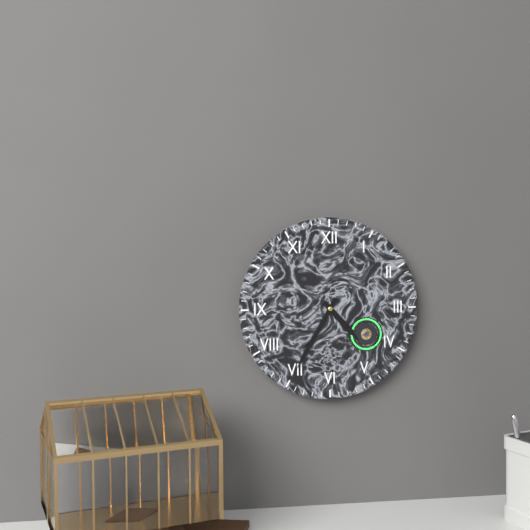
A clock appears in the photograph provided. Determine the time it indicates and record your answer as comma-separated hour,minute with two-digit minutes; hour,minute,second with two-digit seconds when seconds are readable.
4,35
